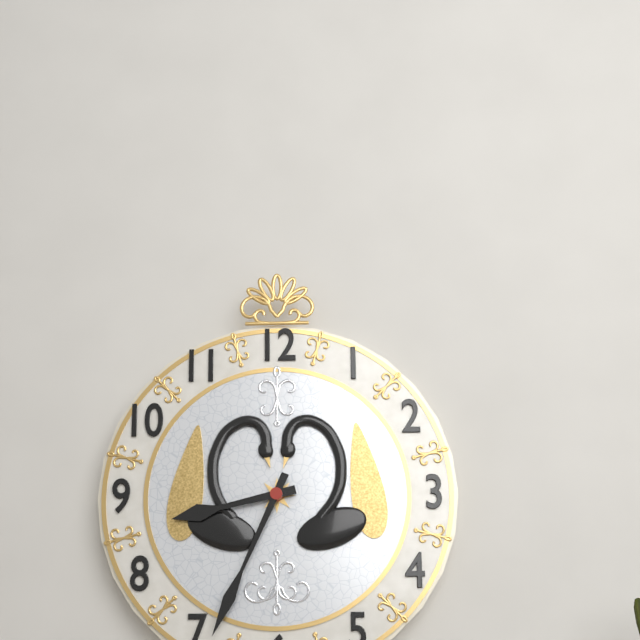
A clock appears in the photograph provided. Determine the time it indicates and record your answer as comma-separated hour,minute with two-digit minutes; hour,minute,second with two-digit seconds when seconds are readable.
8,34
